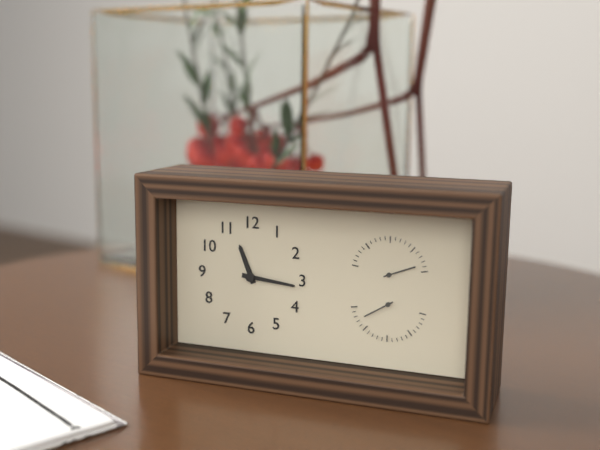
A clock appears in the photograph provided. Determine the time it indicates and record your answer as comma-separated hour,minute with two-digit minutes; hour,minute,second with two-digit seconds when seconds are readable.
11,16
